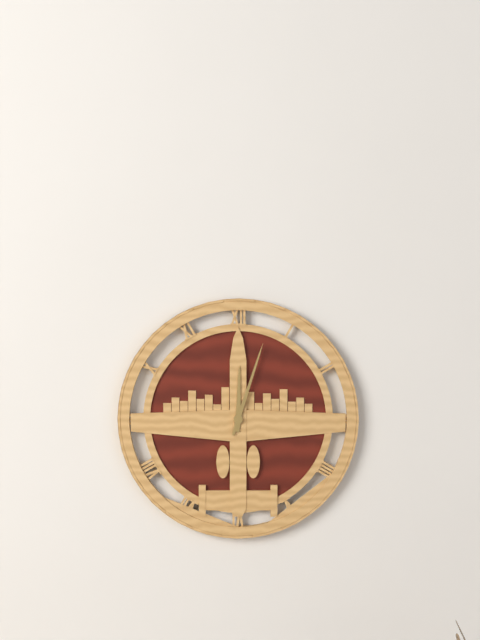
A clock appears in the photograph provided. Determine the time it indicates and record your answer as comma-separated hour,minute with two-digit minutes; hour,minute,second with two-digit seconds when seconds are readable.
12,03
